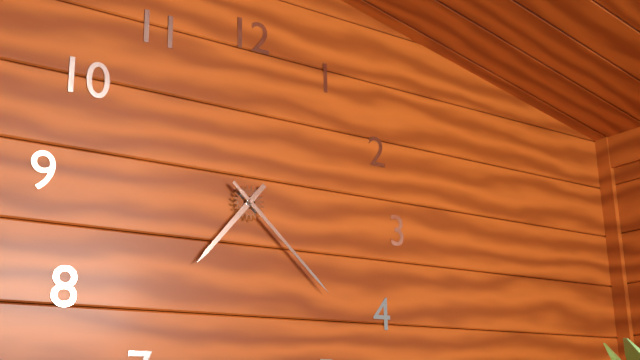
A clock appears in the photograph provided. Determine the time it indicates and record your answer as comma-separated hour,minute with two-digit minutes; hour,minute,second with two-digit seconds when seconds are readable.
7,22
